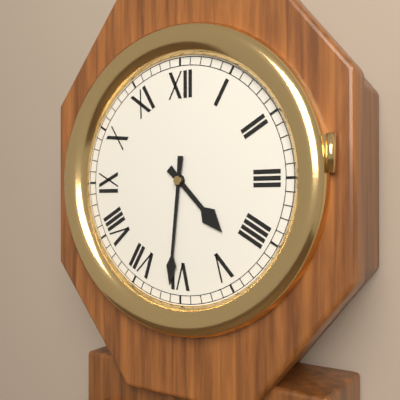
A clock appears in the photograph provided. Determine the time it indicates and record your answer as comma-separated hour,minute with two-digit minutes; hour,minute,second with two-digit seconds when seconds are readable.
4,31
